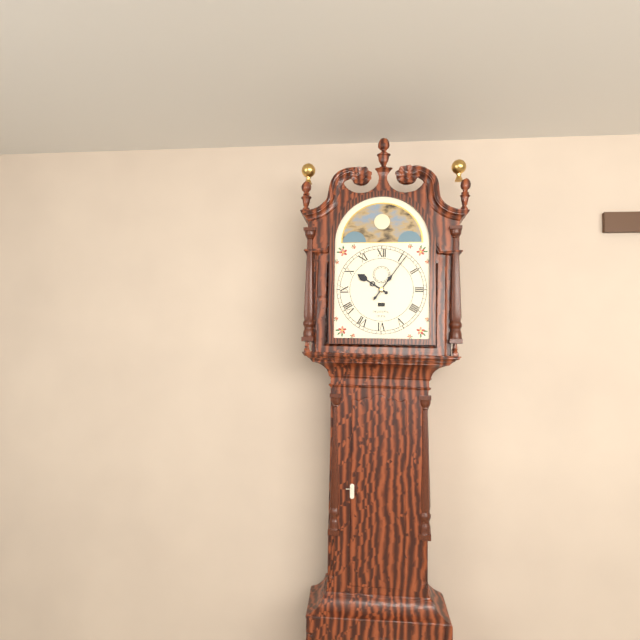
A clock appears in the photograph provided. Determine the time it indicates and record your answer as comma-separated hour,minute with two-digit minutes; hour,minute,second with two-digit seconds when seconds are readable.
10,06
